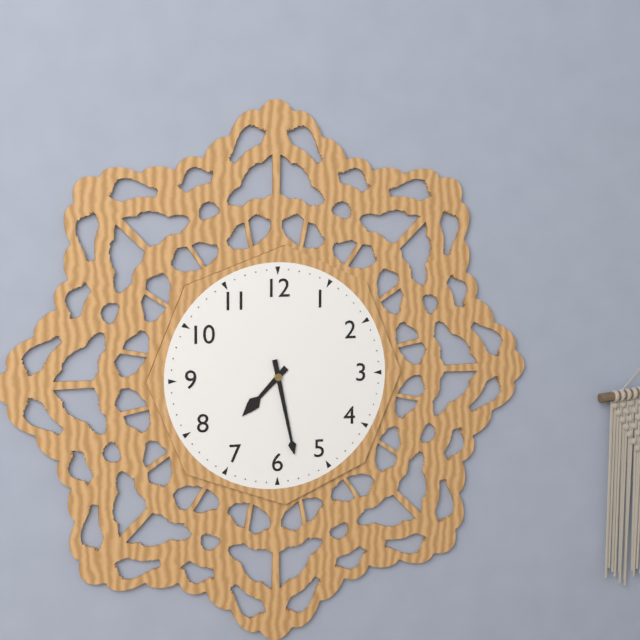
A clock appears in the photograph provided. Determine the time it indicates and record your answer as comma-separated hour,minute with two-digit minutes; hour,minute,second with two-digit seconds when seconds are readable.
7,28
